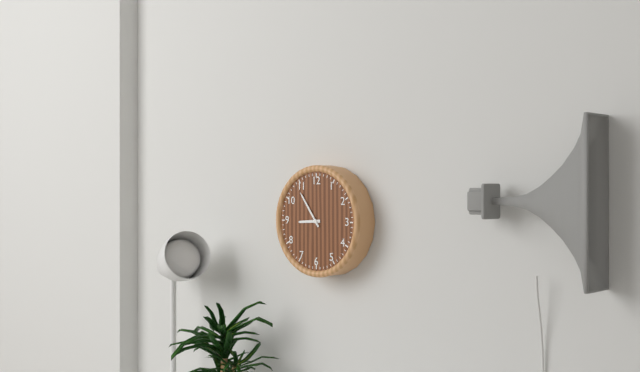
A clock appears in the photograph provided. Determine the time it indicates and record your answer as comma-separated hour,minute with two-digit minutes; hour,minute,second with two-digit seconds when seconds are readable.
8,54
